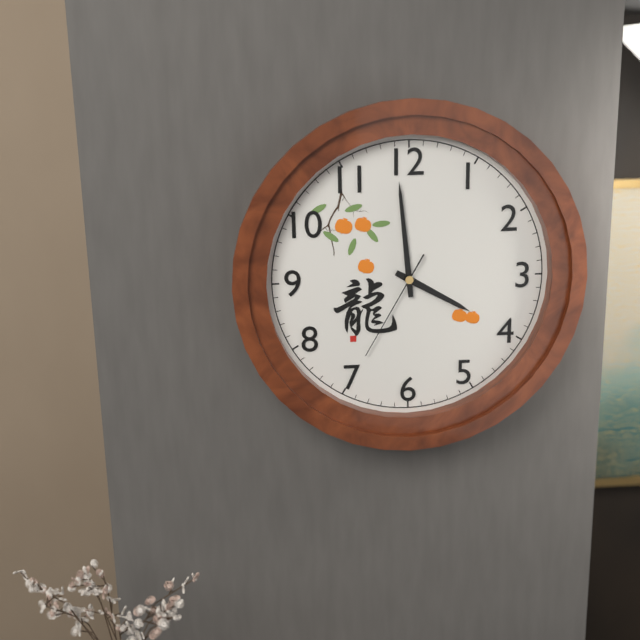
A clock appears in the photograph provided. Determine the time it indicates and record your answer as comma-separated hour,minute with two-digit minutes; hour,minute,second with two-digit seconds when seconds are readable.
3,59,35
